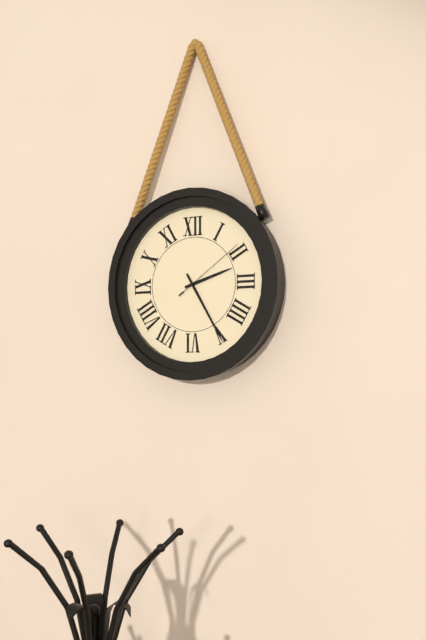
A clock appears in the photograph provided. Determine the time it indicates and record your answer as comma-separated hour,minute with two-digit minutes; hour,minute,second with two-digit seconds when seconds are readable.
2,25,09
